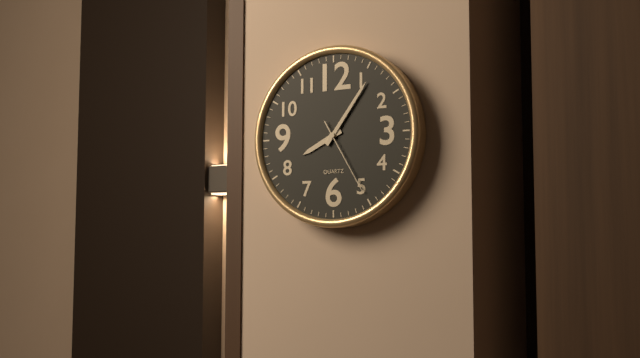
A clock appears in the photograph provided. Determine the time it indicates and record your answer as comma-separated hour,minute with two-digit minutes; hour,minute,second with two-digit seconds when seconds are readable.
8,06,25
